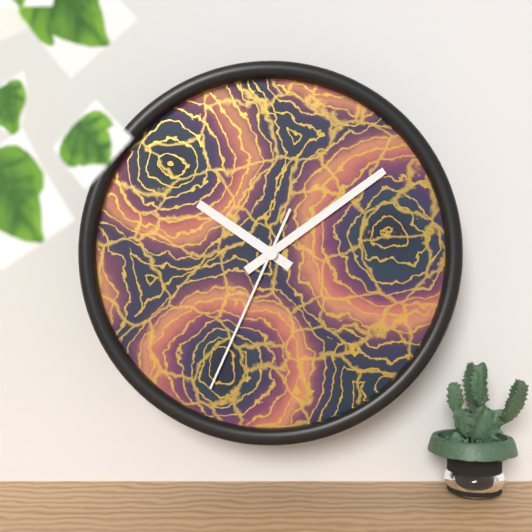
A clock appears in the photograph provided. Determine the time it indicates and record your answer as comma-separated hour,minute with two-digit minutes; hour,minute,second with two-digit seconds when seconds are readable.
10,09,34
